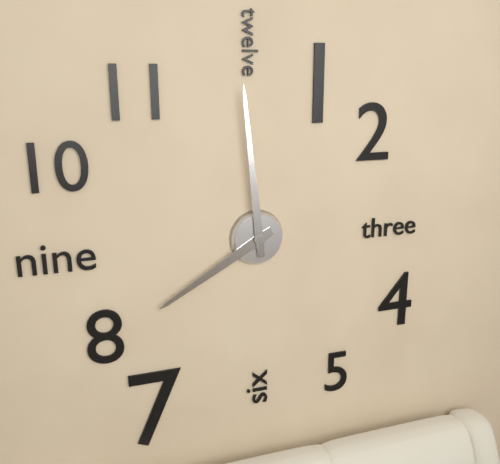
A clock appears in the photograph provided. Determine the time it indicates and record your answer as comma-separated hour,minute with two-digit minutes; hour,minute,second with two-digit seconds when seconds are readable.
7,59
